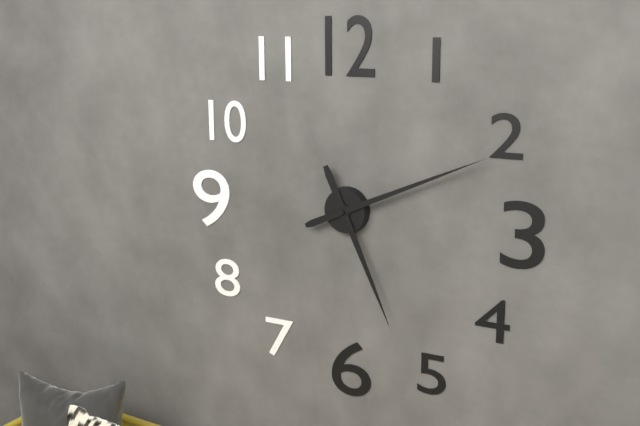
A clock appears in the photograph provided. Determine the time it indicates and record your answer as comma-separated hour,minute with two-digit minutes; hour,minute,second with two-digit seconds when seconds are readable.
5,11
